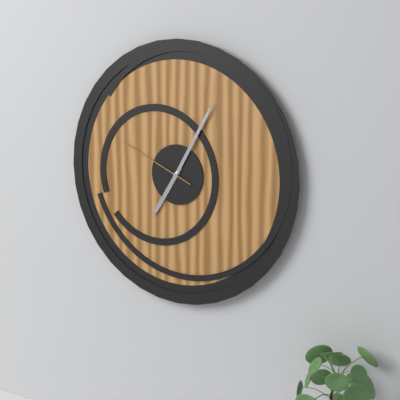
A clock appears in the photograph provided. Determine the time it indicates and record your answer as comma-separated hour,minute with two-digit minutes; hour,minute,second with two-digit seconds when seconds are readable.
7,05,49
